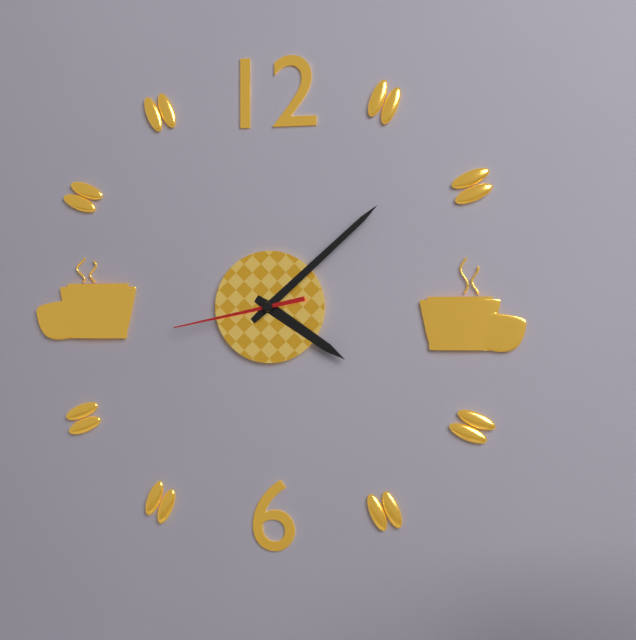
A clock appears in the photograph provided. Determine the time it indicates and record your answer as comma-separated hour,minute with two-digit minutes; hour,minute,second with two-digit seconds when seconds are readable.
4,08,43
